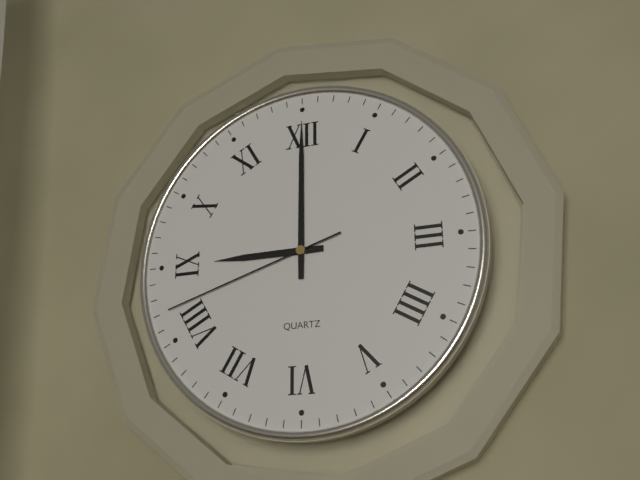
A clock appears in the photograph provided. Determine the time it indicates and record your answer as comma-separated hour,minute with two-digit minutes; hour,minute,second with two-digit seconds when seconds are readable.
9,00,42
